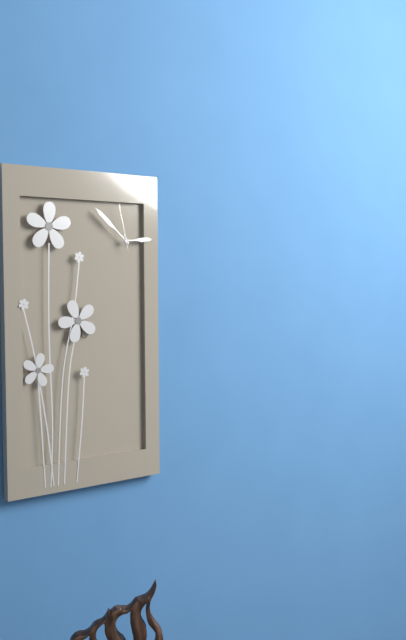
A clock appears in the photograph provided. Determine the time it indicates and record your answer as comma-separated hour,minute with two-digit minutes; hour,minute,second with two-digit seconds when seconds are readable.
2,52
